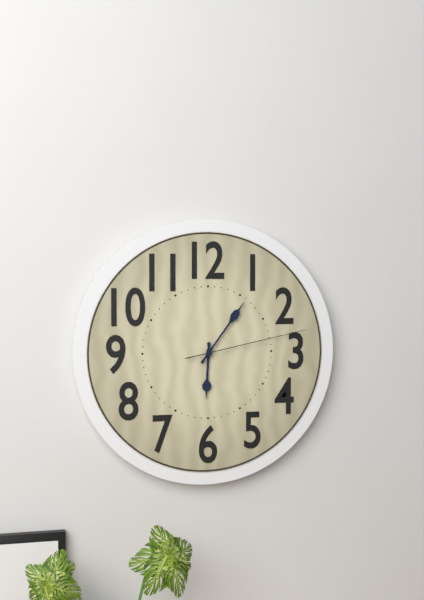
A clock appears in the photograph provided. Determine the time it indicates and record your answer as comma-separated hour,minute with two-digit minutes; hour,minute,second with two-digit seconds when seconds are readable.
6,06,13
